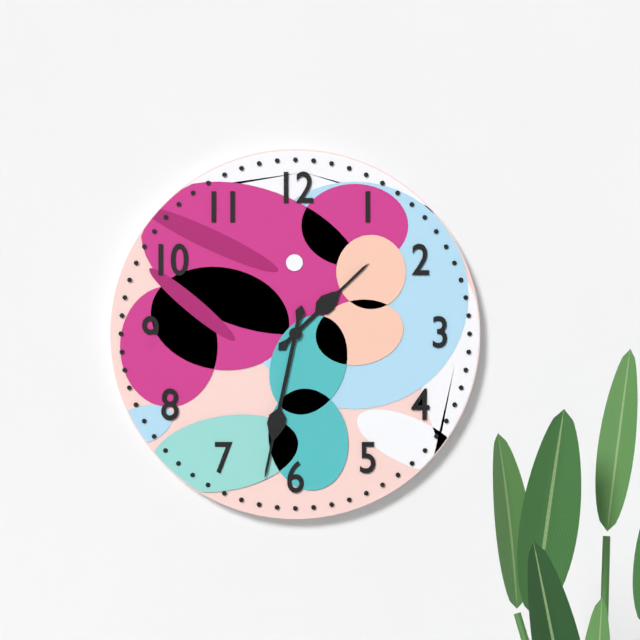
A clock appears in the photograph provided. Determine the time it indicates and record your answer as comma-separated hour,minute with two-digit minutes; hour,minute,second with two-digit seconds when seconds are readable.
1,32
